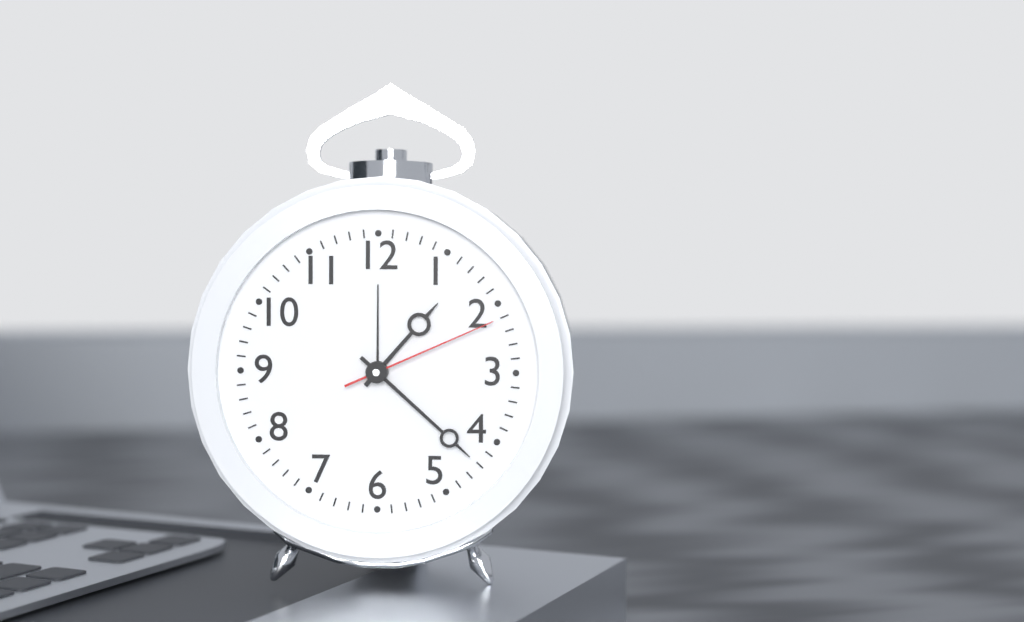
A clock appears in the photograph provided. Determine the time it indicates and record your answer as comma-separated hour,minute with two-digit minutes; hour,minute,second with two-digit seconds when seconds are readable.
1,22,11
